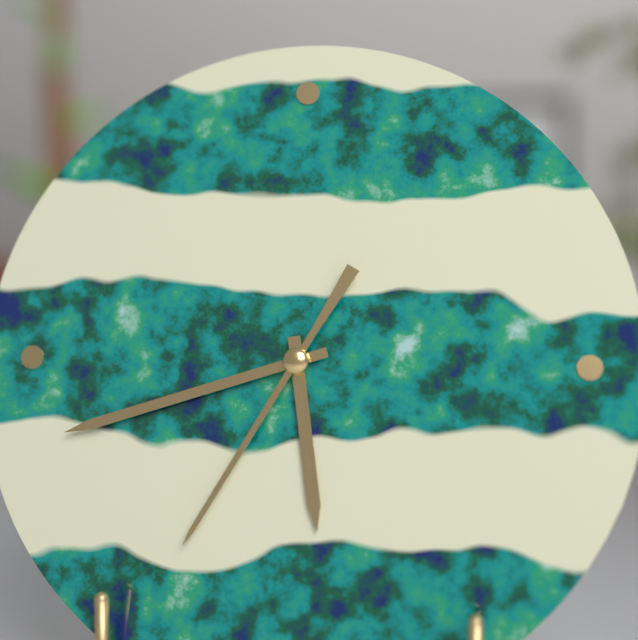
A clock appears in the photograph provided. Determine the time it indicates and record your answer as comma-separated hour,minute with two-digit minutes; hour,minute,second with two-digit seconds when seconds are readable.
5,42,35
